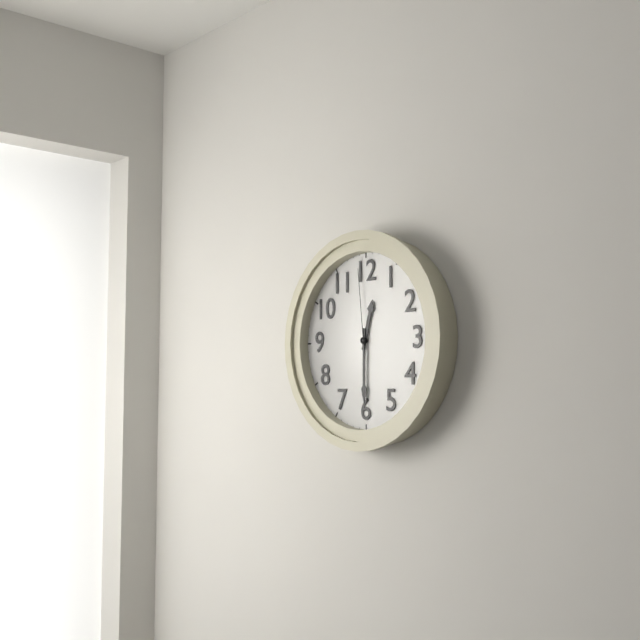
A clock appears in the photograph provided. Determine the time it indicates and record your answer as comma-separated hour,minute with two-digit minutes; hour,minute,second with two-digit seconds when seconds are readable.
12,30,59
